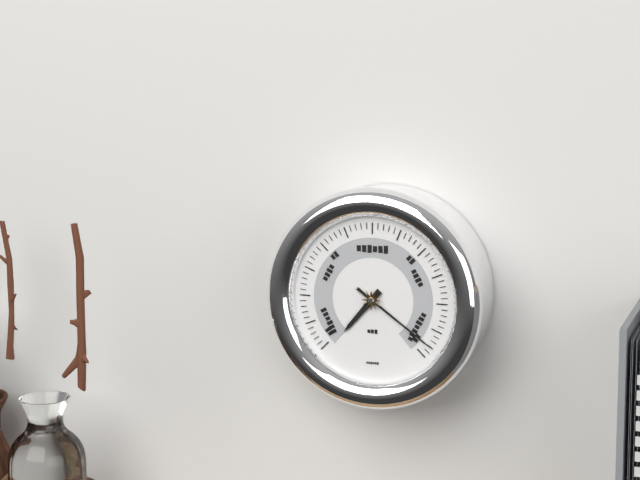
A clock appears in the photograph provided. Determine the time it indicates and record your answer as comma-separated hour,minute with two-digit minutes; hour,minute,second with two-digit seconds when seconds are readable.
7,21
